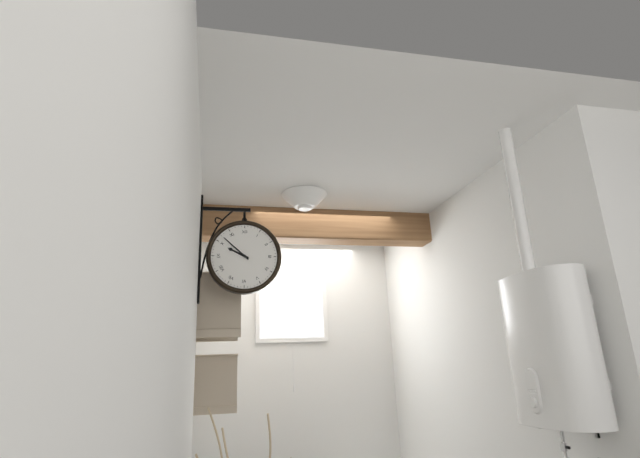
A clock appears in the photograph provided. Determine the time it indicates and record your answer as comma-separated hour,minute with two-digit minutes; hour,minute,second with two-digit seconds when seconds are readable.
9,52
